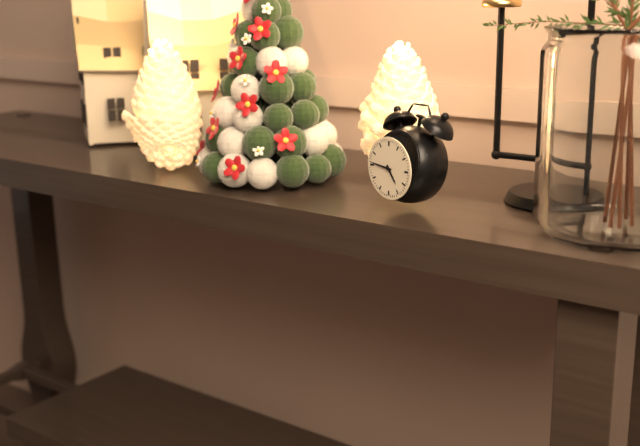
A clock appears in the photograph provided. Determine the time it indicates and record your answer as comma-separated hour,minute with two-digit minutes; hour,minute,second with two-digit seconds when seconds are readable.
4,46
